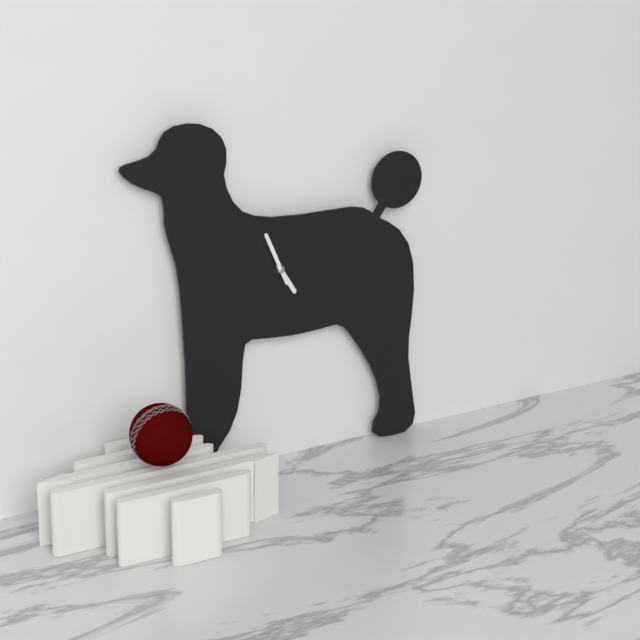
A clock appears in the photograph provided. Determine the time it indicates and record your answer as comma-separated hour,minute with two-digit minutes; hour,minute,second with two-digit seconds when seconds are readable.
4,56
